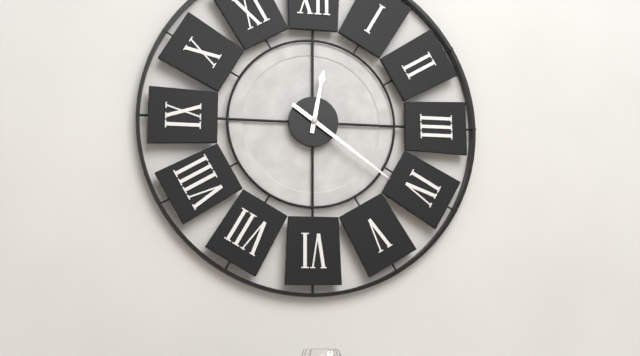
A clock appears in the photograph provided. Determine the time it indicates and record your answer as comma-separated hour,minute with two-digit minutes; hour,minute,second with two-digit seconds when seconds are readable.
12,21
